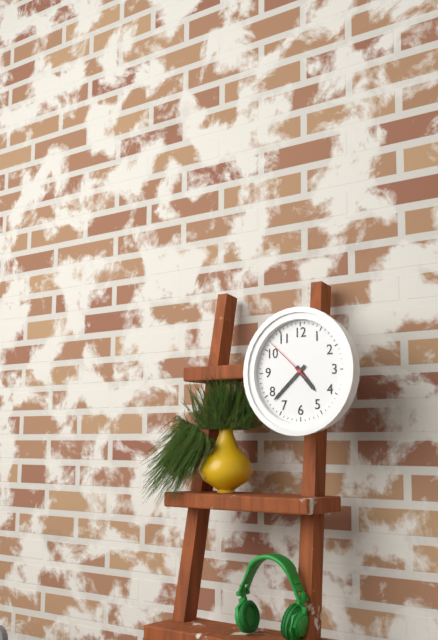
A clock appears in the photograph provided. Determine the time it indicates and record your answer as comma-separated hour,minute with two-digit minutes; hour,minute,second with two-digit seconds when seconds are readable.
4,38
